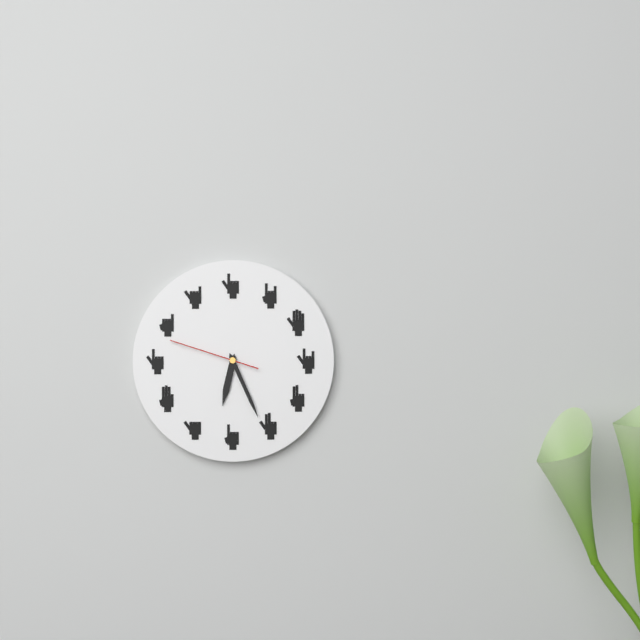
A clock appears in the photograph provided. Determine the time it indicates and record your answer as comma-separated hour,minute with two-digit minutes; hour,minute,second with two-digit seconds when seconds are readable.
6,26,48
